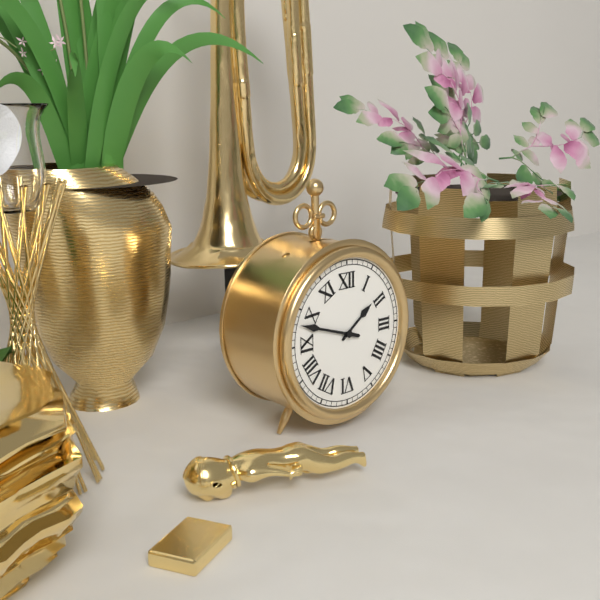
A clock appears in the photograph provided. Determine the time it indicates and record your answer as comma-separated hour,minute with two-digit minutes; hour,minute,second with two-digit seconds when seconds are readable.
1,48
